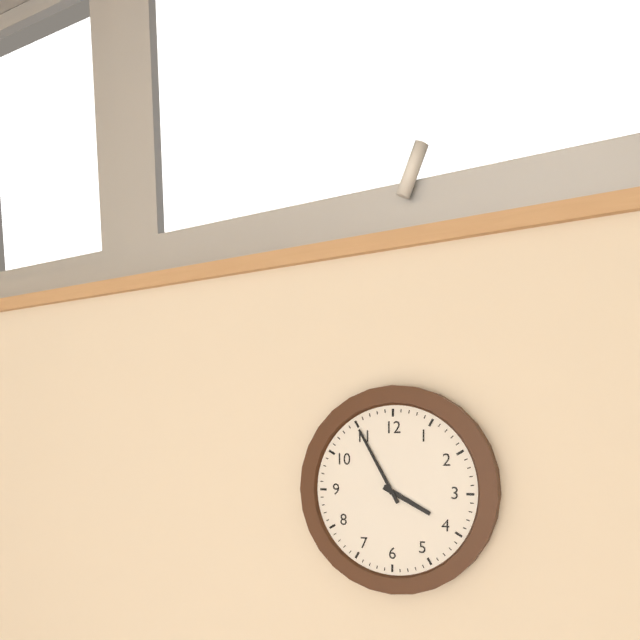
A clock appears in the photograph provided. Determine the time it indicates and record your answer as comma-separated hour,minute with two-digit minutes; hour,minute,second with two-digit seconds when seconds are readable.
3,55
